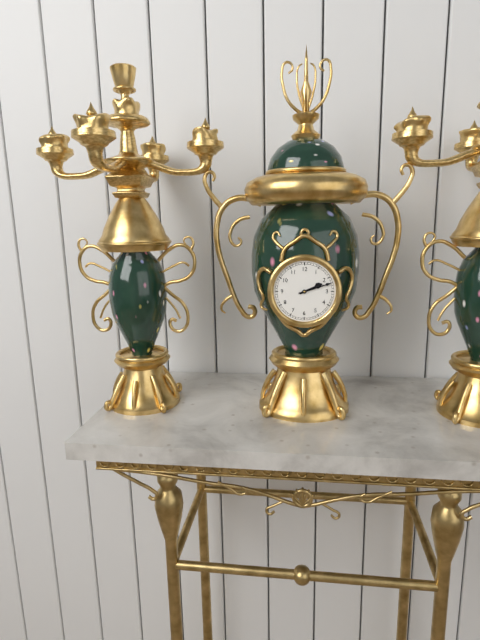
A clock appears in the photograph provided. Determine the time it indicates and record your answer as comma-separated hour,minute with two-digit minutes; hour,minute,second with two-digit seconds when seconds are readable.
2,12
